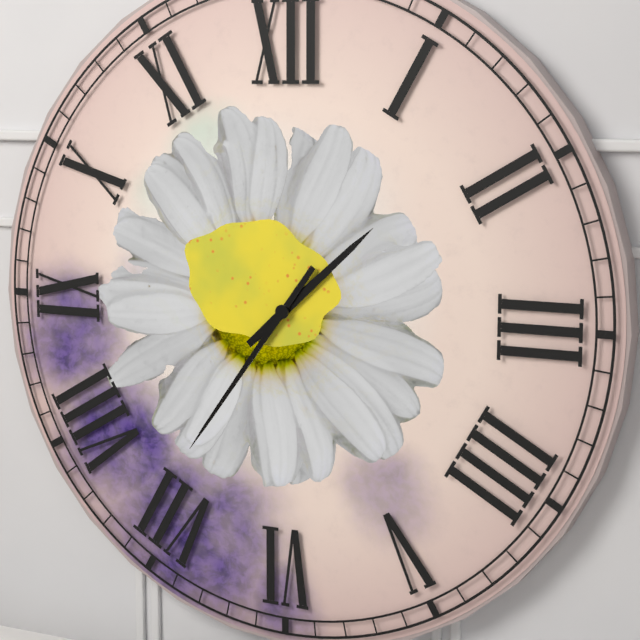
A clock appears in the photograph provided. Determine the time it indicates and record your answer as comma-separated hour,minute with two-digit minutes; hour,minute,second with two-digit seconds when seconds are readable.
1,36
